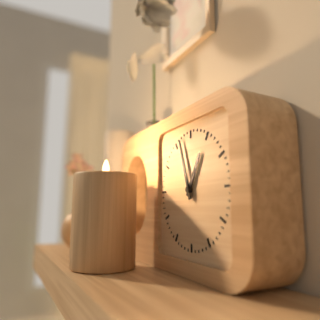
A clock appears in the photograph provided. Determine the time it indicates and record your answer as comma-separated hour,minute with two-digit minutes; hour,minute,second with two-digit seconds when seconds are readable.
12,57
